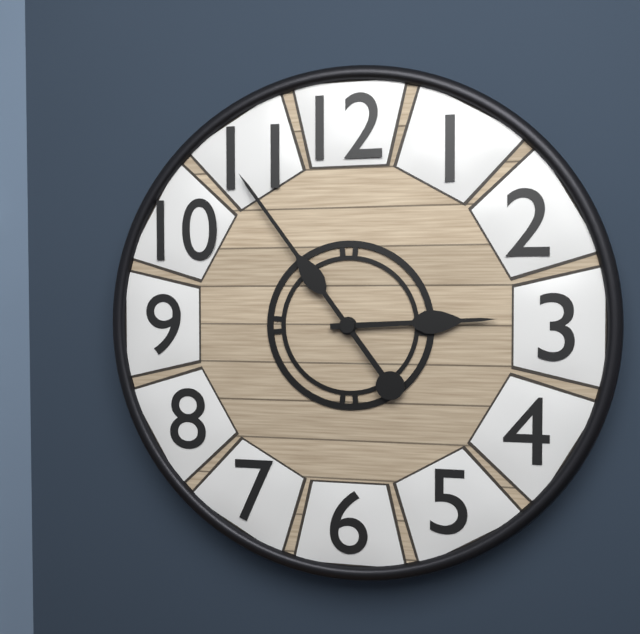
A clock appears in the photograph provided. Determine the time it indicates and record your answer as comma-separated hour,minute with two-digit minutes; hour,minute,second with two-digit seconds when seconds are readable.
2,54
